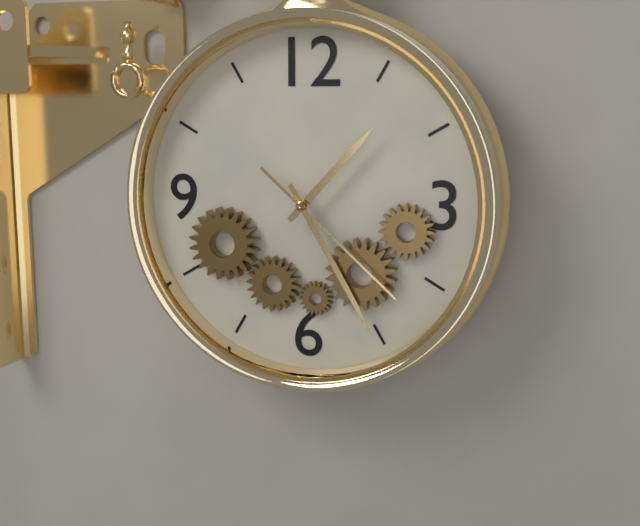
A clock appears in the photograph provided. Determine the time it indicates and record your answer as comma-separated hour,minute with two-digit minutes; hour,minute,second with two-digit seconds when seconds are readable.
1,25,22
